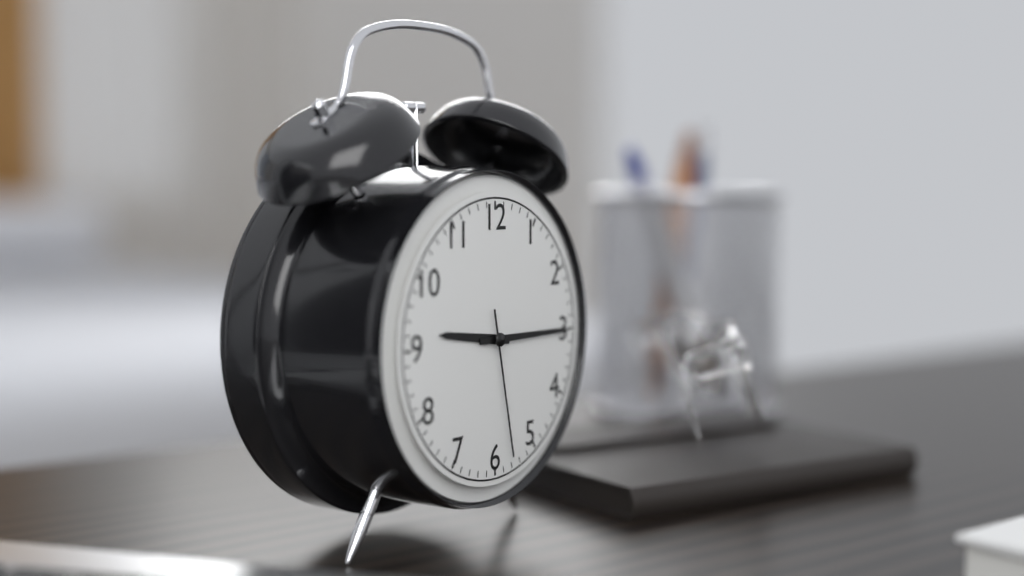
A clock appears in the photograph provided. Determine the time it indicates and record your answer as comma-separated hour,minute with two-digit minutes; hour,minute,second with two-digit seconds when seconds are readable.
9,15,28
